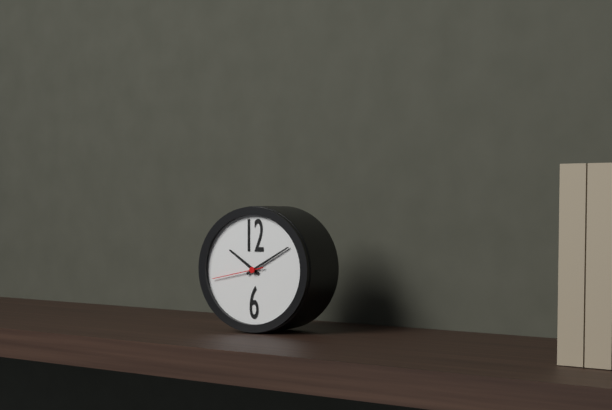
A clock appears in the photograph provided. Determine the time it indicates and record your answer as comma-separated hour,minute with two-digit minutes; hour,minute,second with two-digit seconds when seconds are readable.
10,10,43
